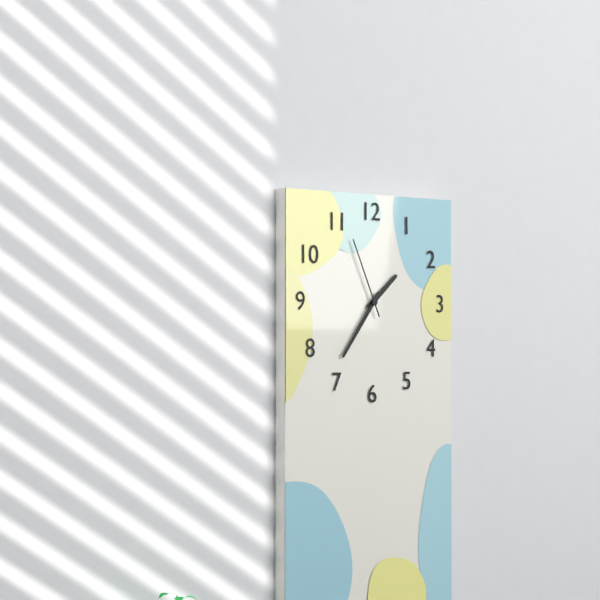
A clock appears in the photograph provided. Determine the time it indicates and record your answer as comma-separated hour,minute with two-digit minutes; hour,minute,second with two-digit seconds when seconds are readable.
1,36,56
